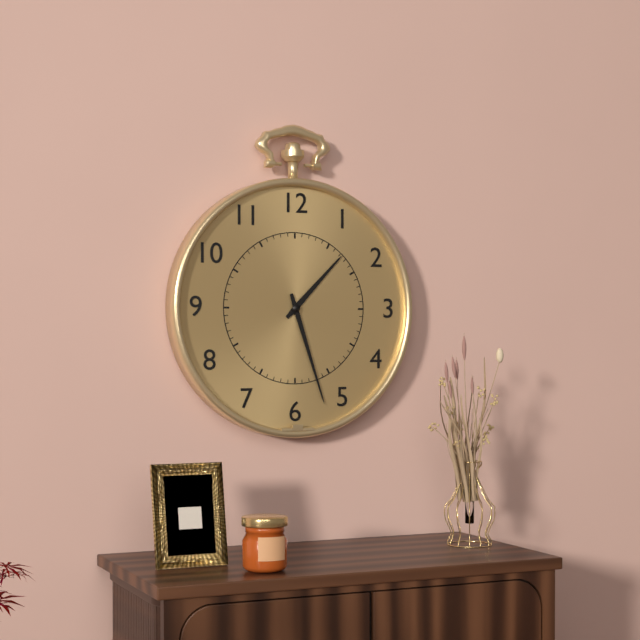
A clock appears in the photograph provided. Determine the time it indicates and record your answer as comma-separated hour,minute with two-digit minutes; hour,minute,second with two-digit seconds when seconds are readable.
1,27
